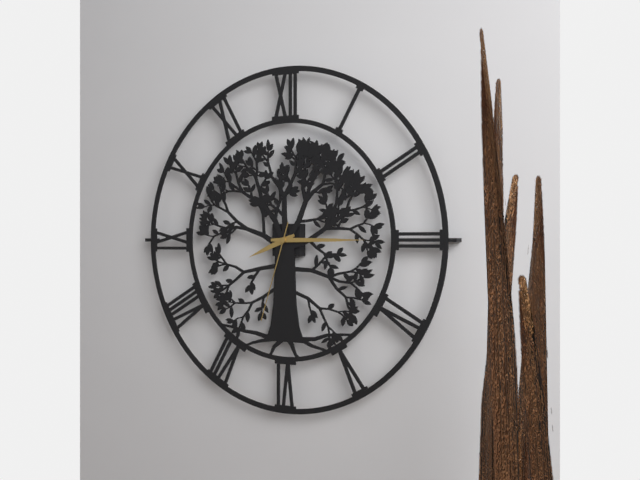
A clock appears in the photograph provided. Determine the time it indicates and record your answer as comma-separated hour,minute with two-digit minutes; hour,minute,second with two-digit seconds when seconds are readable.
8,15,33
